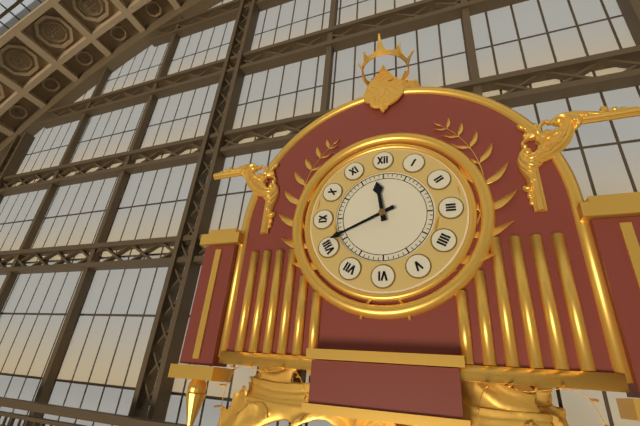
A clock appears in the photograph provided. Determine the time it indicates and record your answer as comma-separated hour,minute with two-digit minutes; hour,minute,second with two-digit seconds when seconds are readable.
11,41
